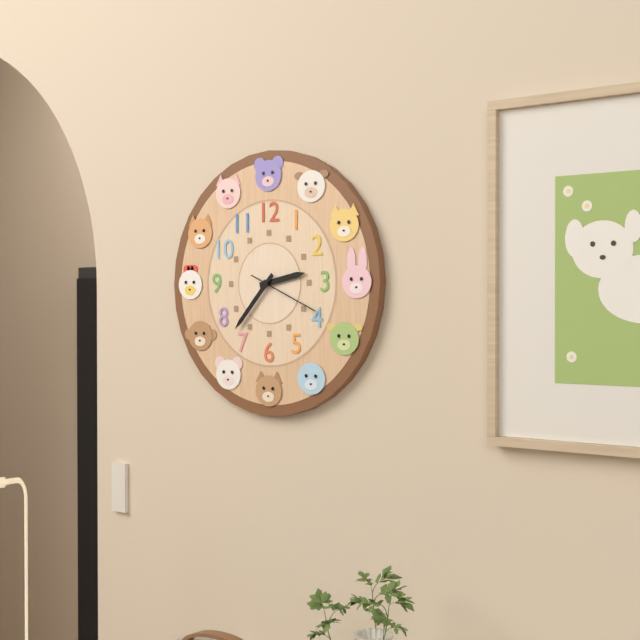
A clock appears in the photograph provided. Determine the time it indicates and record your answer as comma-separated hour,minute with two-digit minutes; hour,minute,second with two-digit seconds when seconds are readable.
2,37,19
